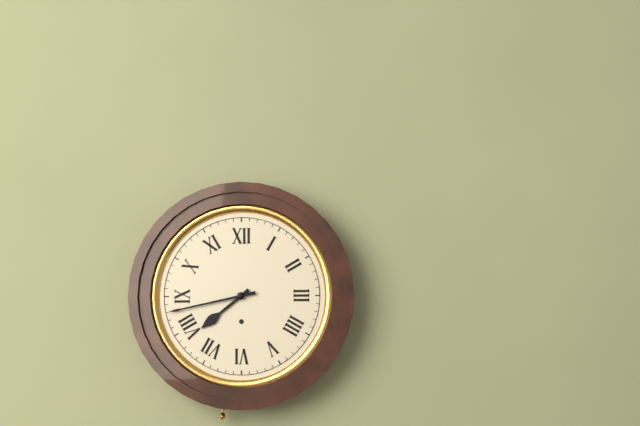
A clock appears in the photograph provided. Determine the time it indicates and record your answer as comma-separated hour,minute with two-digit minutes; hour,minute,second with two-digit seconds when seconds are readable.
7,43
